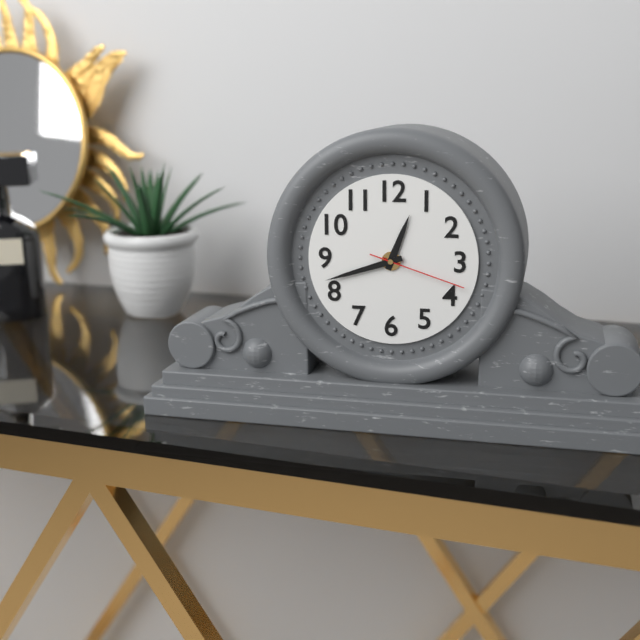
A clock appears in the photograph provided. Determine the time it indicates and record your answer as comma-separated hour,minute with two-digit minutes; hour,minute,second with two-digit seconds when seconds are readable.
12,42,18
